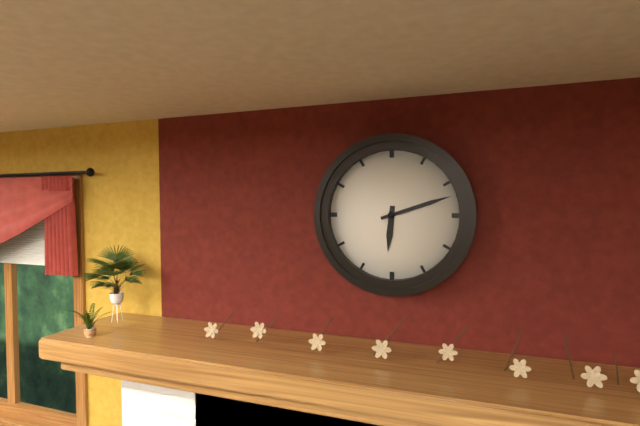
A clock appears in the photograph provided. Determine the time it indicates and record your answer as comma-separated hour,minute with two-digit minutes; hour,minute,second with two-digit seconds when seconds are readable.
6,12
